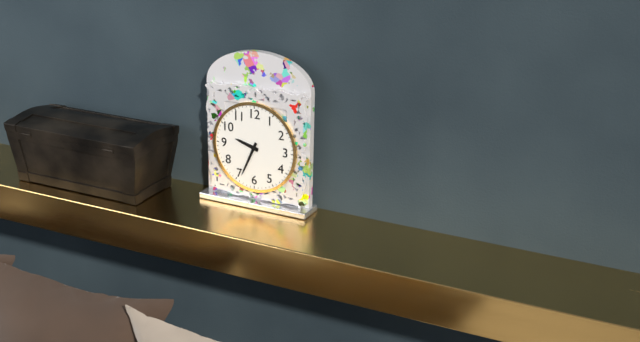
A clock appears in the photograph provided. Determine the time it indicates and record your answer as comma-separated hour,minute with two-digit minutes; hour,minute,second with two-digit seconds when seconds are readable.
9,34
